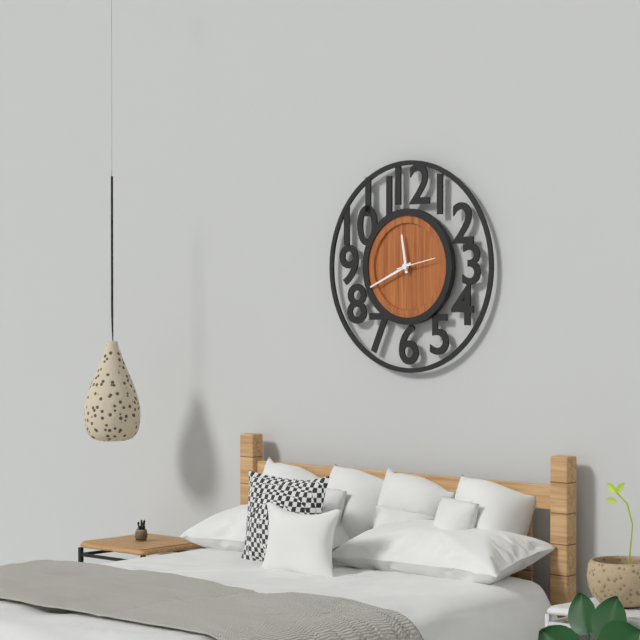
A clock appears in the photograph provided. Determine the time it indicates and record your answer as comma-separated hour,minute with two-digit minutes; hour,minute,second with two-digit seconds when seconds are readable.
11,41
